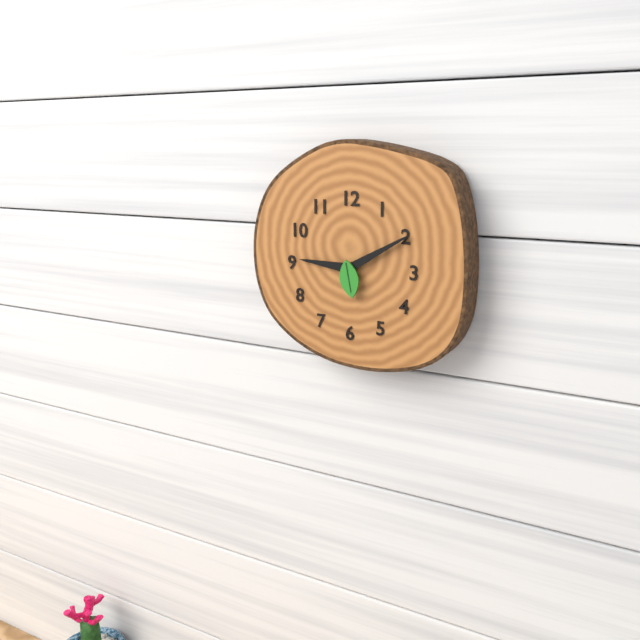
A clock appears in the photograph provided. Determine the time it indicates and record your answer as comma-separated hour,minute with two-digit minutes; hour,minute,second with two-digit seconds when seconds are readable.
9,10
